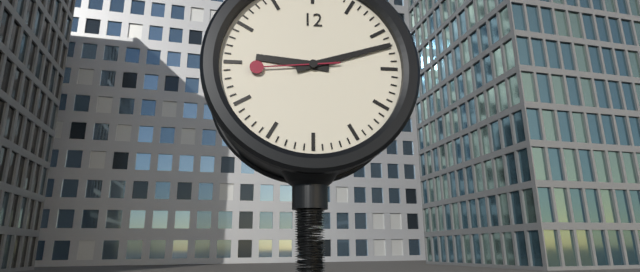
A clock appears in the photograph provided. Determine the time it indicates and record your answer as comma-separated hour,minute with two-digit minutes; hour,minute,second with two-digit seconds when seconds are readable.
9,12,44
